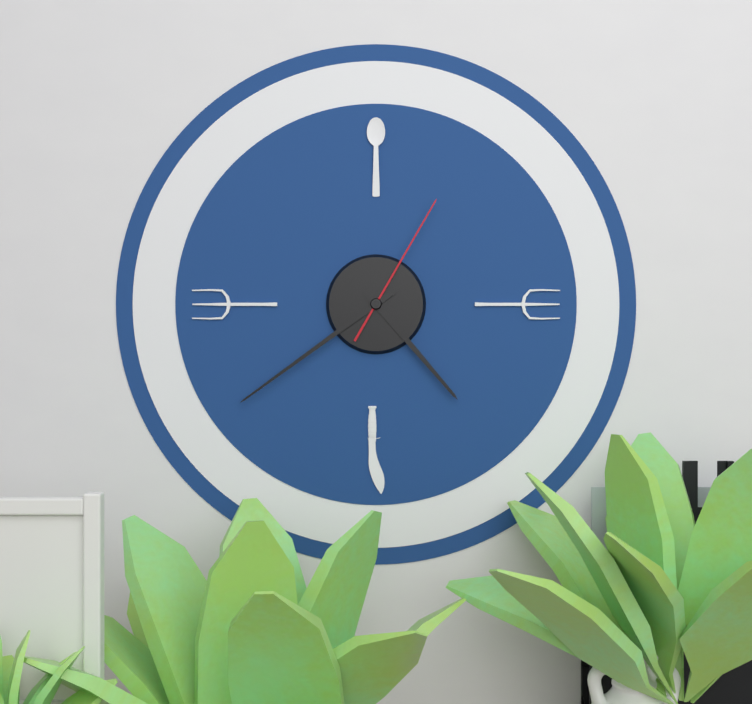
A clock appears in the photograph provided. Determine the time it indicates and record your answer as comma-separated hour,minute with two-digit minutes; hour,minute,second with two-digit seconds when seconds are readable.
4,39,05
